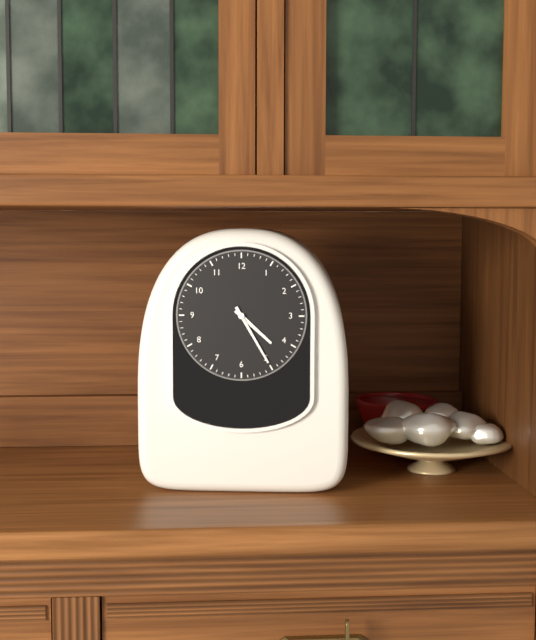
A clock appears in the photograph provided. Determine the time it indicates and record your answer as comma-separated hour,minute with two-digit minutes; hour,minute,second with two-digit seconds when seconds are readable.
4,25
